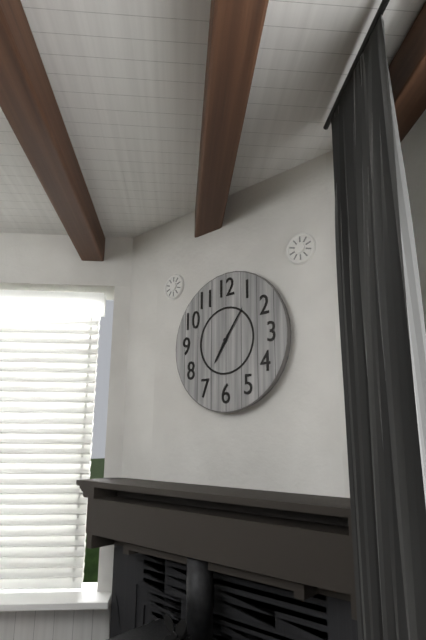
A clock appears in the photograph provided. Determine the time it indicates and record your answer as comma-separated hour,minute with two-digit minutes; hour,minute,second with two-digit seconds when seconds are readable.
7,06
